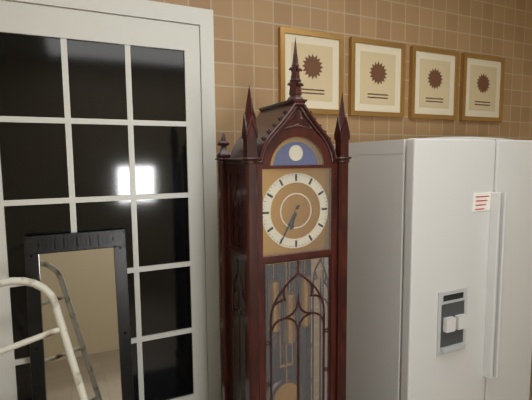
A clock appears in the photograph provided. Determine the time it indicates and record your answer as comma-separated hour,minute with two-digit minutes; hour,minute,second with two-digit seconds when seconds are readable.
6,35
